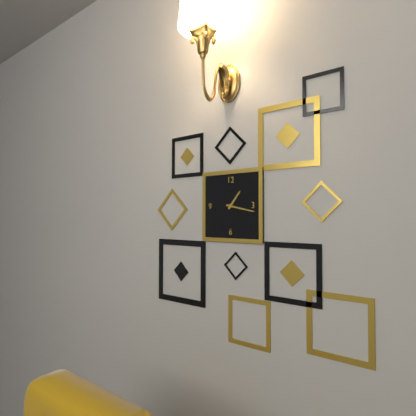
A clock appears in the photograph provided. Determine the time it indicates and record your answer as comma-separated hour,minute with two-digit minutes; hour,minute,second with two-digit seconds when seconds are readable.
1,17
